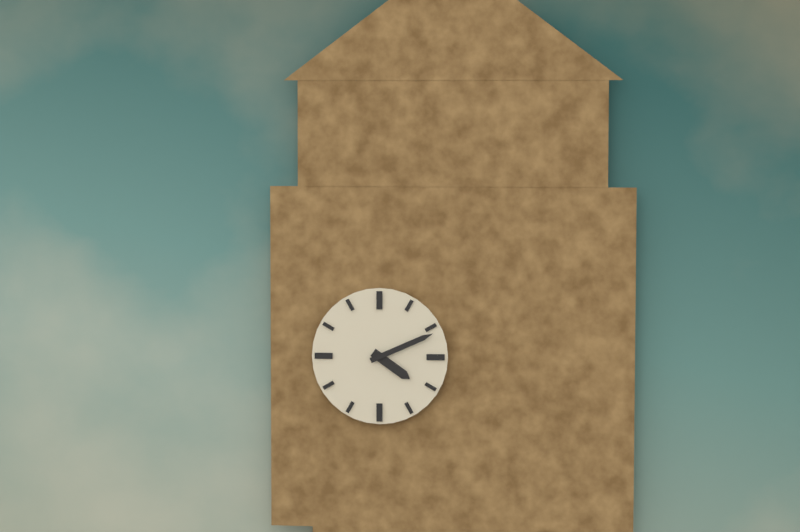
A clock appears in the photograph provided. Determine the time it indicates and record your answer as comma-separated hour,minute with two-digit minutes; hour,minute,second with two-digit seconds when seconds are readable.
4,11
